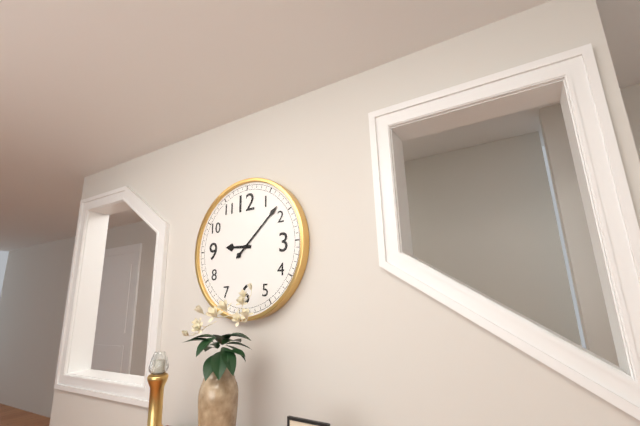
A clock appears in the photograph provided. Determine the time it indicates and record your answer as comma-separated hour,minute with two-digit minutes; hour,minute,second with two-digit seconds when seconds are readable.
9,08
